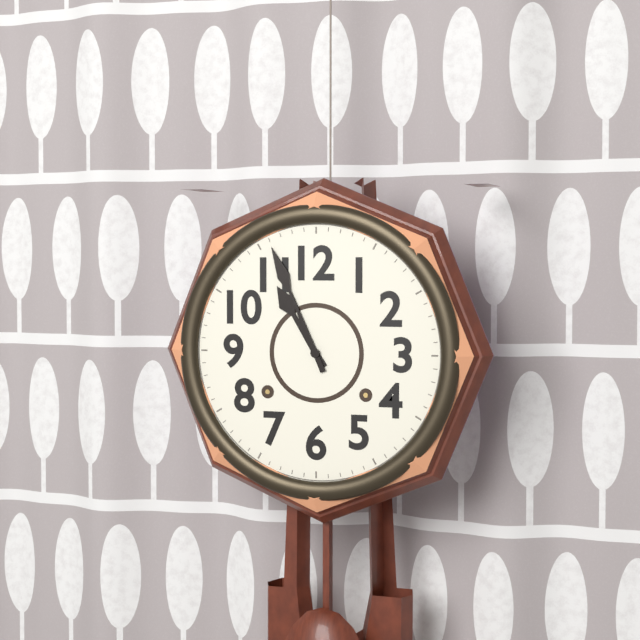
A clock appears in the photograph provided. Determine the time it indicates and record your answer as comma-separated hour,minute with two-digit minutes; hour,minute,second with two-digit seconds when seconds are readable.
10,56
